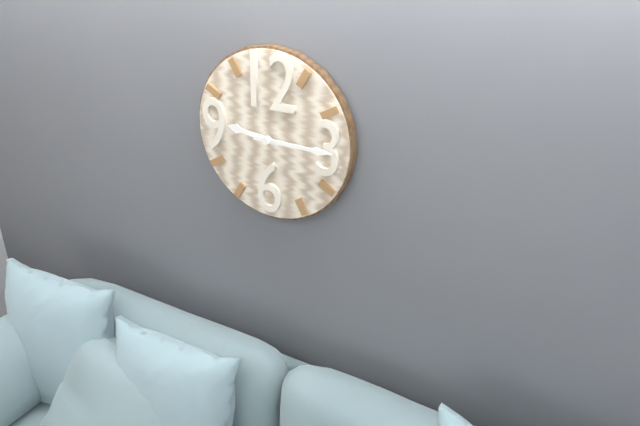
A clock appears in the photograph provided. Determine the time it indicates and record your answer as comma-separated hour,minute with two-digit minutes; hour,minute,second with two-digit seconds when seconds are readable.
9,15
